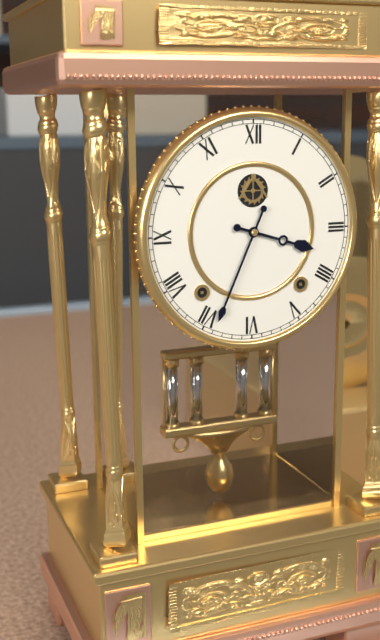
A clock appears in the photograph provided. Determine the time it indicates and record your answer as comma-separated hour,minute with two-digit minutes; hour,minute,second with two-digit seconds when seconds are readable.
3,34
